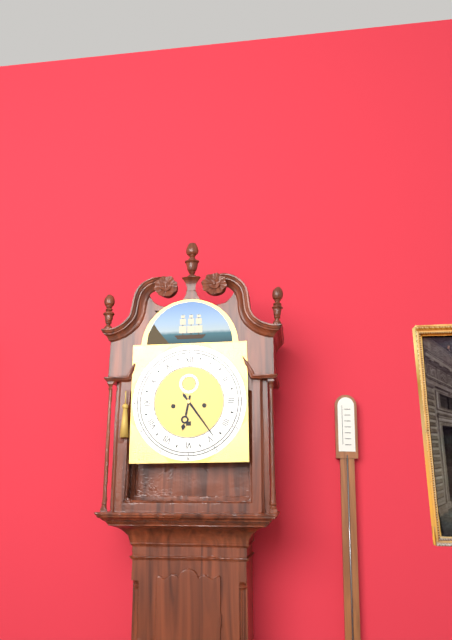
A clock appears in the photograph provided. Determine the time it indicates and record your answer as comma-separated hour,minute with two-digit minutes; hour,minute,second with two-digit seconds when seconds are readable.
6,24
